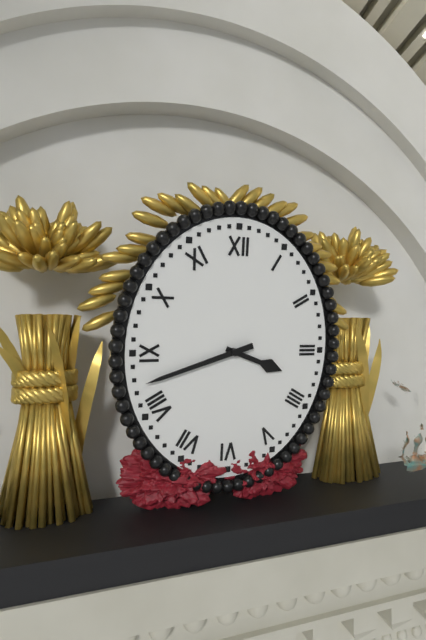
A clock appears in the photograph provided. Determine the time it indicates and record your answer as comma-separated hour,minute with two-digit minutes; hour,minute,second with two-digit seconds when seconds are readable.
3,42
